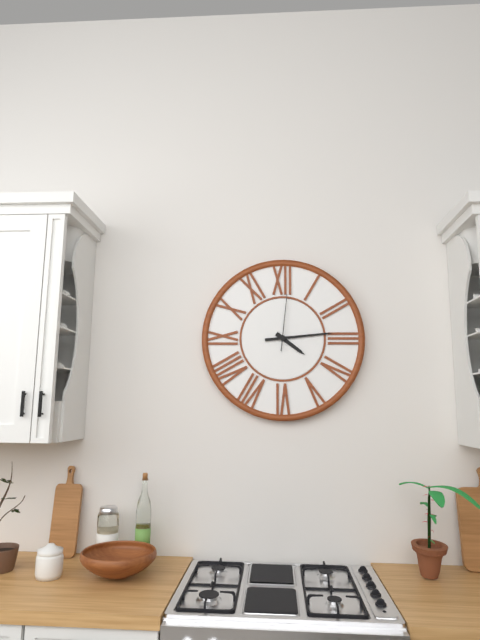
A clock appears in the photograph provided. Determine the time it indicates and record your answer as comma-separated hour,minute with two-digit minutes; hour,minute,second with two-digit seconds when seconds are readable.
4,14,01
